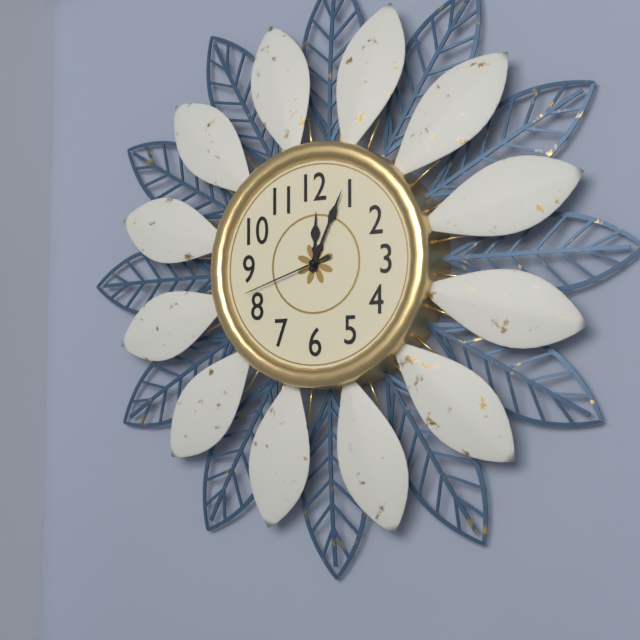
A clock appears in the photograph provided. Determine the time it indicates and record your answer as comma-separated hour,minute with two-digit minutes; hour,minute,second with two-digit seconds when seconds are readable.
12,04,42
